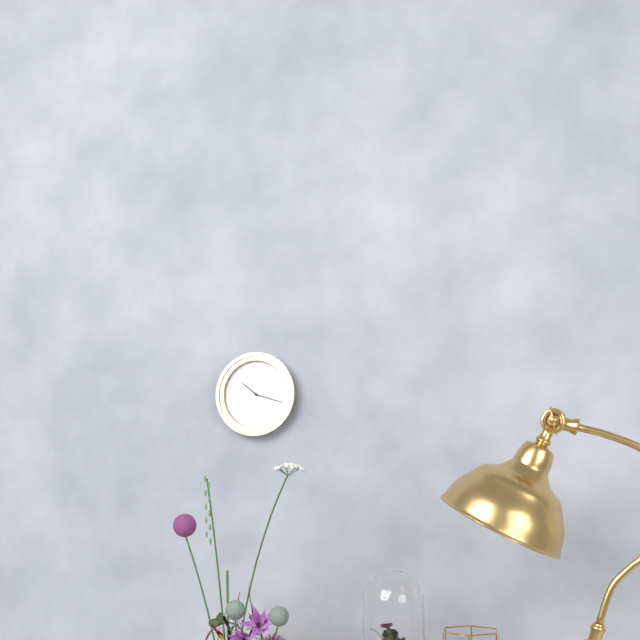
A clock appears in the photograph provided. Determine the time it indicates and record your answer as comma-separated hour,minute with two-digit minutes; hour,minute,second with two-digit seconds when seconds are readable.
10,18
